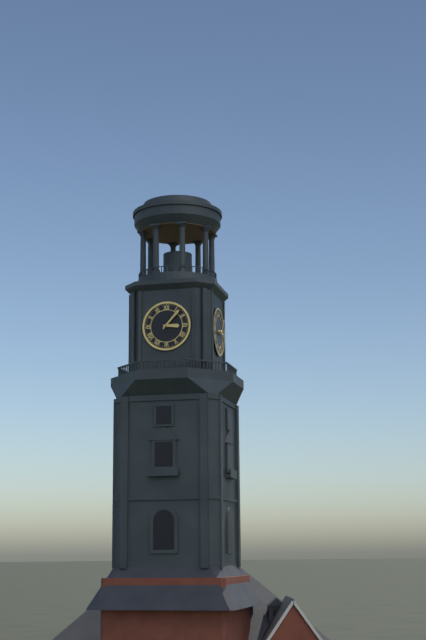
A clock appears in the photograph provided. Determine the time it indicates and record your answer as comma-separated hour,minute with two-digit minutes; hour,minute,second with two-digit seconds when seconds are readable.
3,07
